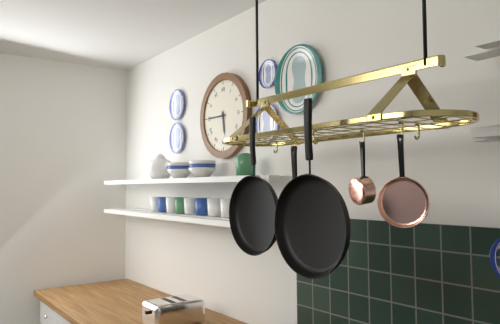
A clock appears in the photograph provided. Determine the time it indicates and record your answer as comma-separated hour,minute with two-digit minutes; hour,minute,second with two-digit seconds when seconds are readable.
5,45
